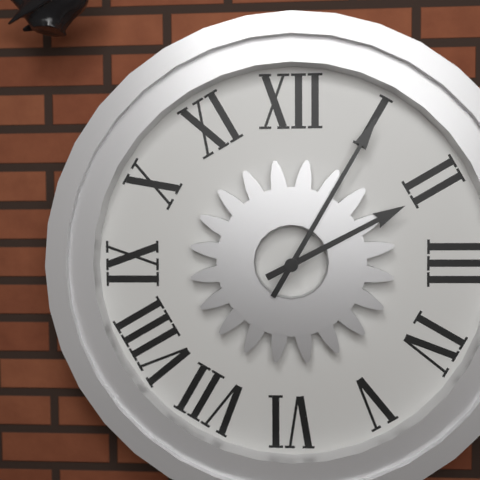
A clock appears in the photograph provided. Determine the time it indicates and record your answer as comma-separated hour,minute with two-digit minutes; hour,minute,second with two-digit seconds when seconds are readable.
2,05
